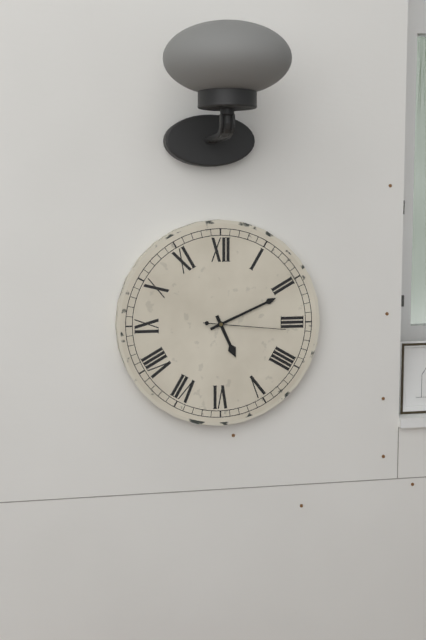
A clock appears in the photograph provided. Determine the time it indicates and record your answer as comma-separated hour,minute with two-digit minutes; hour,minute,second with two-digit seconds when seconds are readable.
5,11,16
